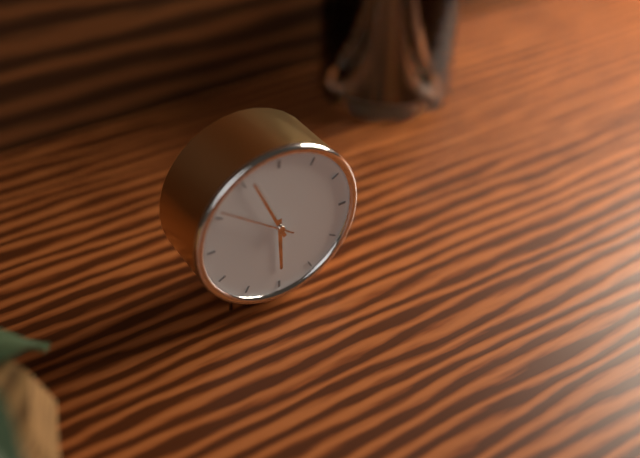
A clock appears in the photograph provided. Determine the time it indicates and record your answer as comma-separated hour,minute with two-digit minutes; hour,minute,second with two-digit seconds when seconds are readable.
5,56,51
